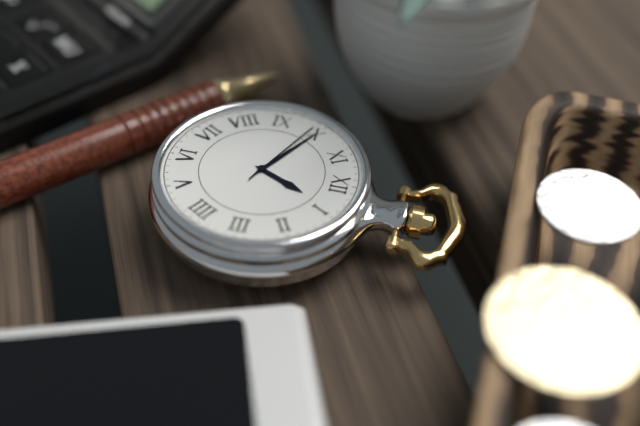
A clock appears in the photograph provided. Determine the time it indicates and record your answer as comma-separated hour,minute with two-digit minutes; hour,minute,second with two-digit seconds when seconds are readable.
12,50,49
